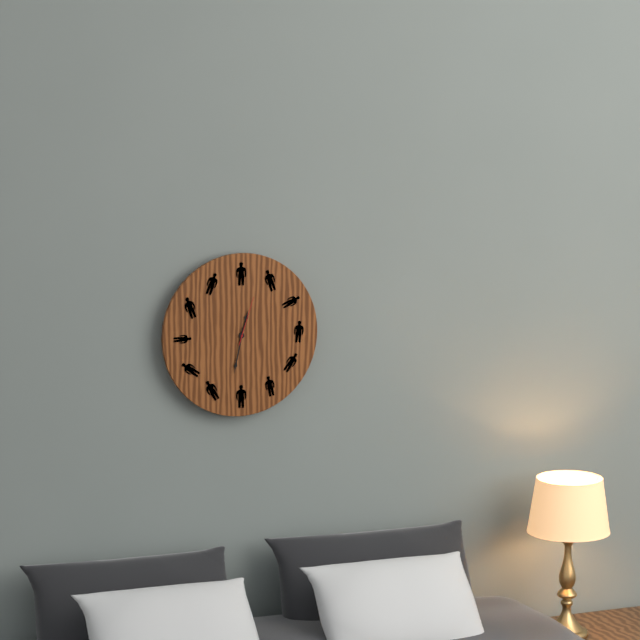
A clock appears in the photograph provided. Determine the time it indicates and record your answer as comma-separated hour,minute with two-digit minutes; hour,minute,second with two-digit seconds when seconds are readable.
12,32,03
